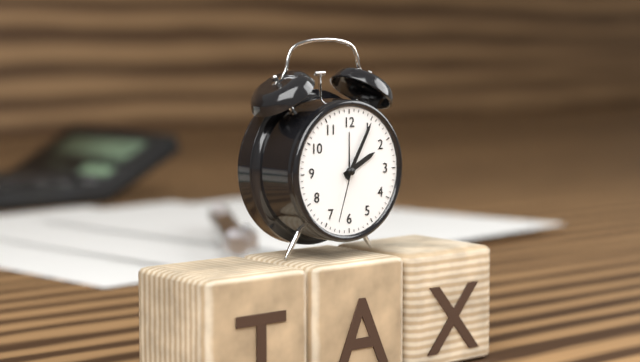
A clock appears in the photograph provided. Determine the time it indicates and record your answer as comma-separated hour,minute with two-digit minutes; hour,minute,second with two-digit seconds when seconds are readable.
2,05,33
